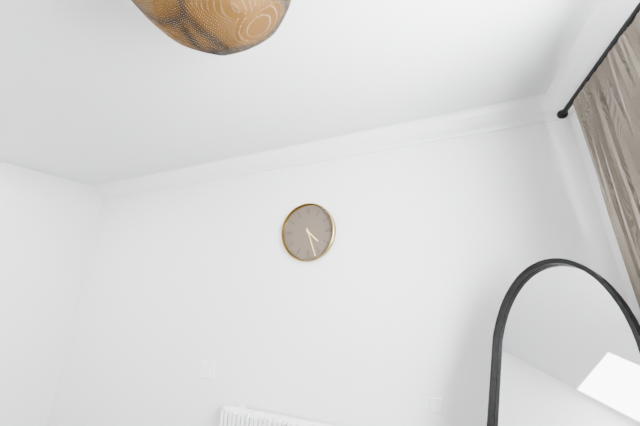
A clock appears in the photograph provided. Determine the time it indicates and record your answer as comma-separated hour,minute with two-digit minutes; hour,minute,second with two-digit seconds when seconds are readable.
4,27
